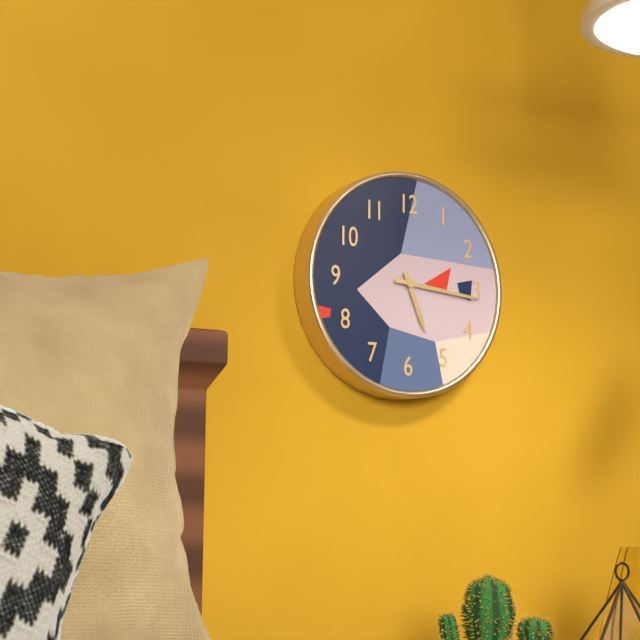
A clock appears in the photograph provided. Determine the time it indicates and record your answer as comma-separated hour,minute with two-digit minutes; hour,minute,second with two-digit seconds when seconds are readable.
5,16
